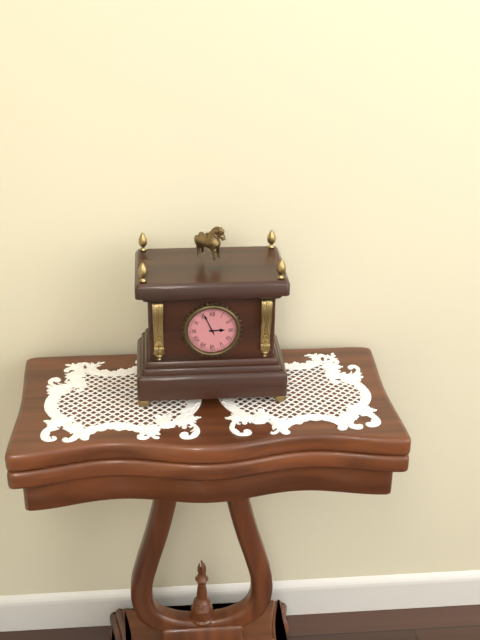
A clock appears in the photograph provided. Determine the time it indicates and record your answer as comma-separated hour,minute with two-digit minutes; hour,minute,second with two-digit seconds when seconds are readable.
2,56
